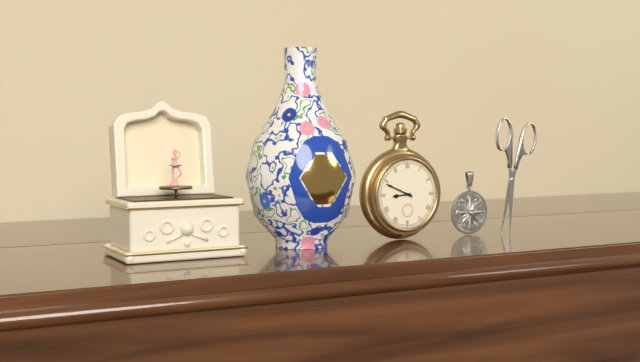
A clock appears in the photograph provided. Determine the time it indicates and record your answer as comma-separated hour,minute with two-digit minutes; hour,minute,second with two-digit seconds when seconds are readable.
8,49
